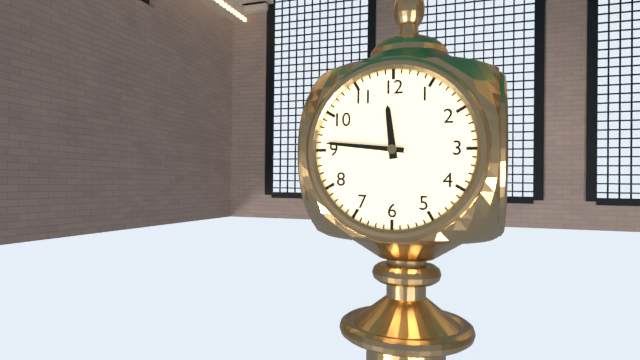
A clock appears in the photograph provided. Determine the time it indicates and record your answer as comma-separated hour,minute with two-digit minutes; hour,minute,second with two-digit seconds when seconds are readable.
11,46
